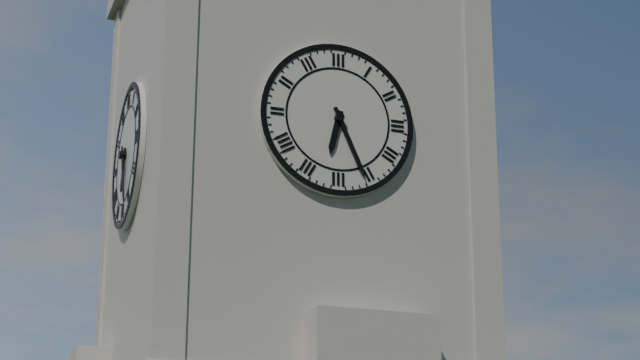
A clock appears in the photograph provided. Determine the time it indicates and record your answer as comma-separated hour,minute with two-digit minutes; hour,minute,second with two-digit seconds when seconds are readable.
6,26
